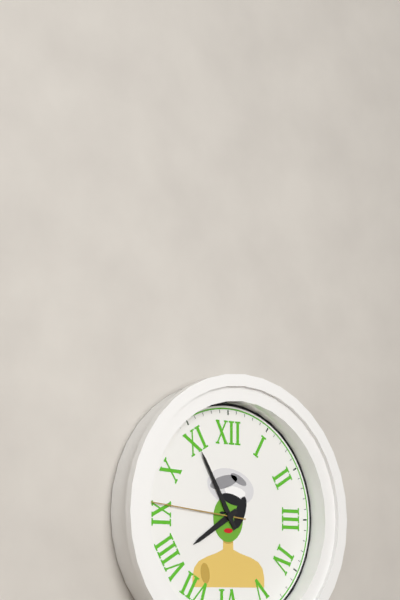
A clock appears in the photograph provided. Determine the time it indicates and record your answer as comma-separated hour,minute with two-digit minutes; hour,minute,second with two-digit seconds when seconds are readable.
7,55,46
